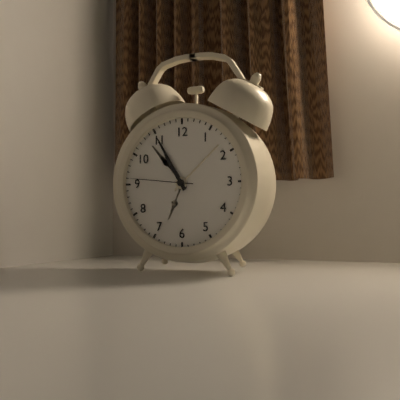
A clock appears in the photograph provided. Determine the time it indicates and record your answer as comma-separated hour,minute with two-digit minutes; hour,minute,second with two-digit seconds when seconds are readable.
10,55,46
